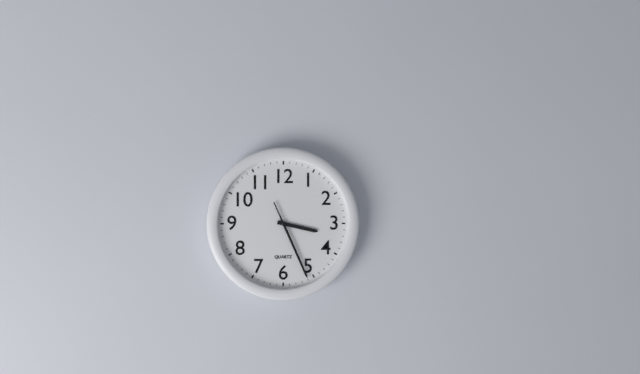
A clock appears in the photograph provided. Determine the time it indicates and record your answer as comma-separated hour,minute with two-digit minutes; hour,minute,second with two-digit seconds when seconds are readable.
3,26
